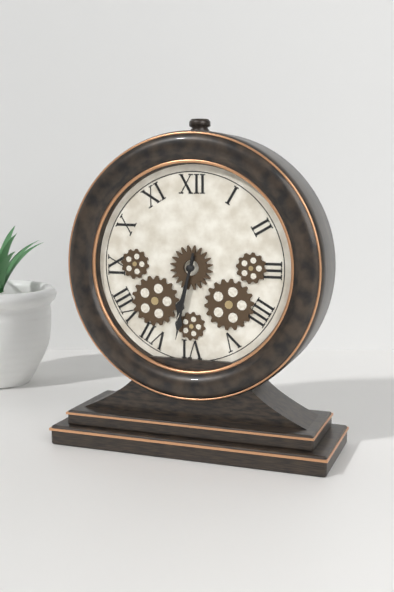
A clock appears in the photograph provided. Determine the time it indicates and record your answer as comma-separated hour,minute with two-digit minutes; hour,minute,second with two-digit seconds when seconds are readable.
6,32
